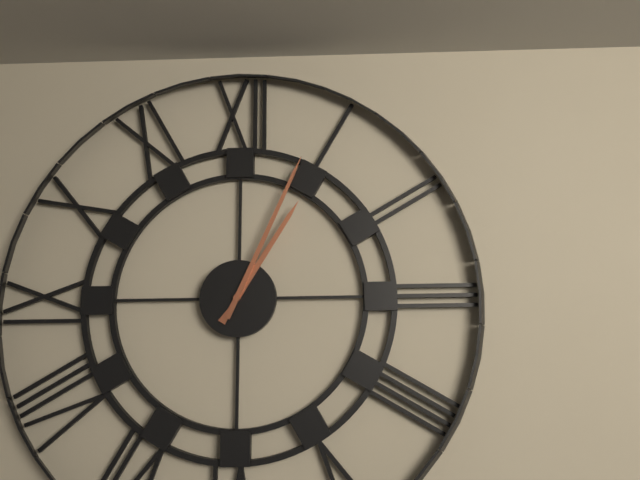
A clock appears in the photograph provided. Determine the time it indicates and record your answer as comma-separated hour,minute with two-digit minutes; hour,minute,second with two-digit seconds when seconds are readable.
1,04
